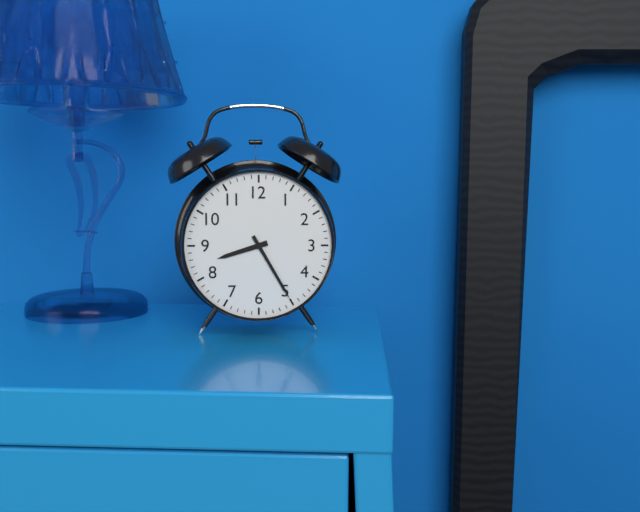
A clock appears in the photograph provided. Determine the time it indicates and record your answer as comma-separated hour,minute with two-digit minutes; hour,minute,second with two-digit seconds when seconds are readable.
8,25
